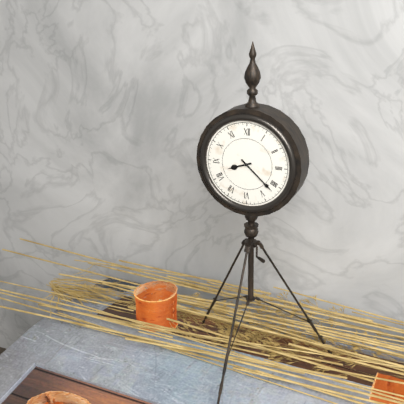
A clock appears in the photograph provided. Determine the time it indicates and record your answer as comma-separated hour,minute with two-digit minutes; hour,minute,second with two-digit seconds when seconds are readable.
8,22
